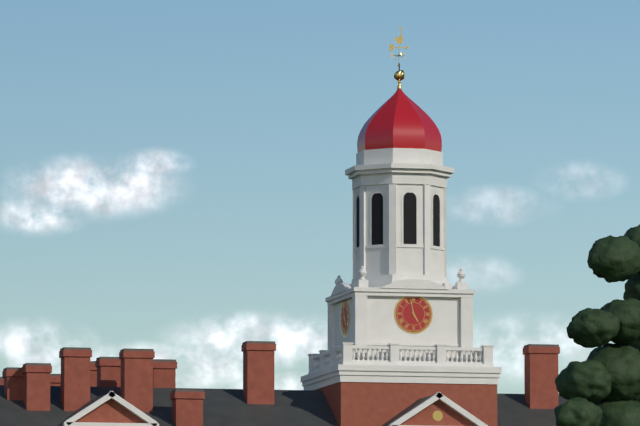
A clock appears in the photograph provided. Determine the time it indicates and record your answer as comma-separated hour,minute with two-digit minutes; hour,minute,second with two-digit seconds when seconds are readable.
4,58
